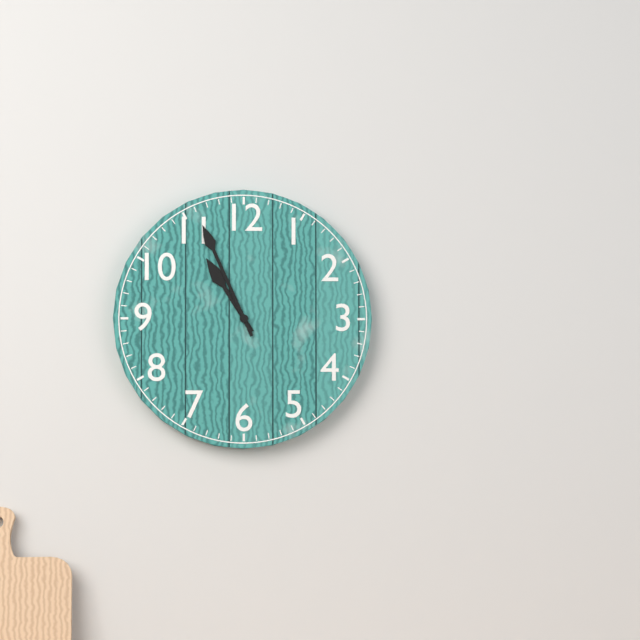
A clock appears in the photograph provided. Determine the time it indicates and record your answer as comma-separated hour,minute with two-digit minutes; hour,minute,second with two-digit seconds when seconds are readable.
10,56
